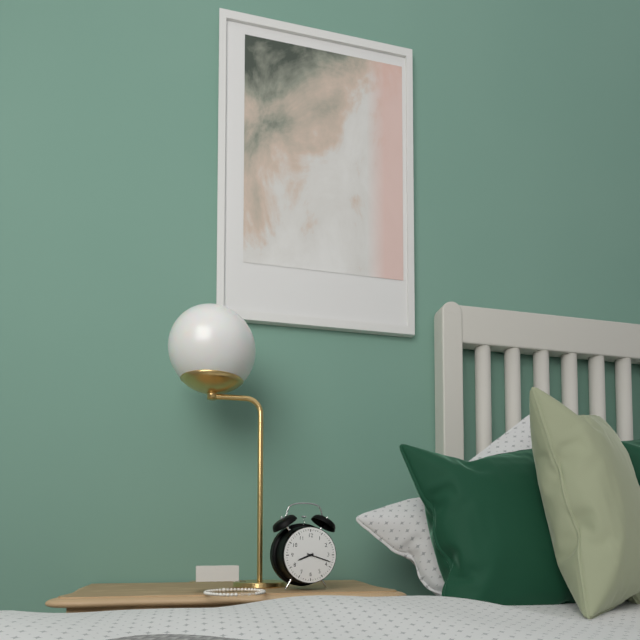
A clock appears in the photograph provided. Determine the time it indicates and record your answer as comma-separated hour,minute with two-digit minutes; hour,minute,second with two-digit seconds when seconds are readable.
8,18
